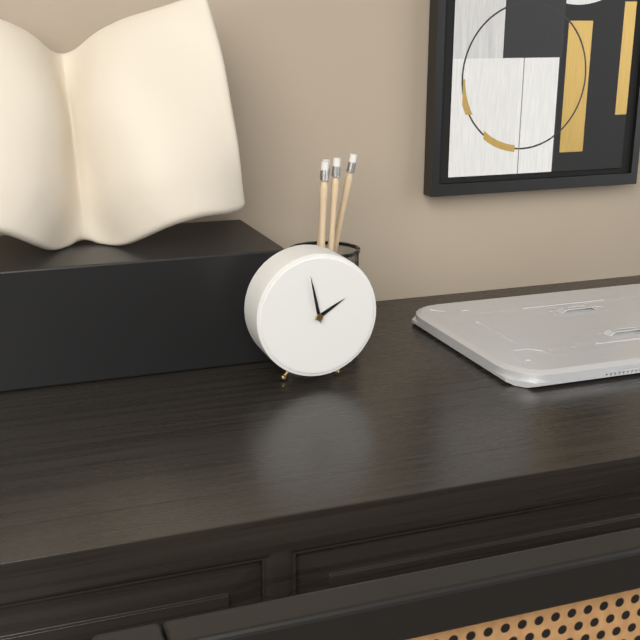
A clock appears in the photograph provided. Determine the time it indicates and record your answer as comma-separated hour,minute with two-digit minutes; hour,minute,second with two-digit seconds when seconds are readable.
1,58
